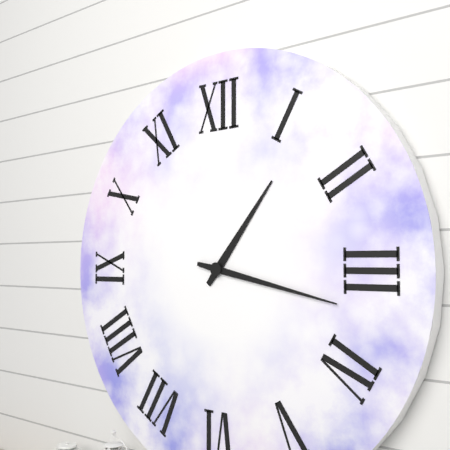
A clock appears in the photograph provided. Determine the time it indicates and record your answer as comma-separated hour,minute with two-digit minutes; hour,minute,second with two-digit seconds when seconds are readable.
1,17
